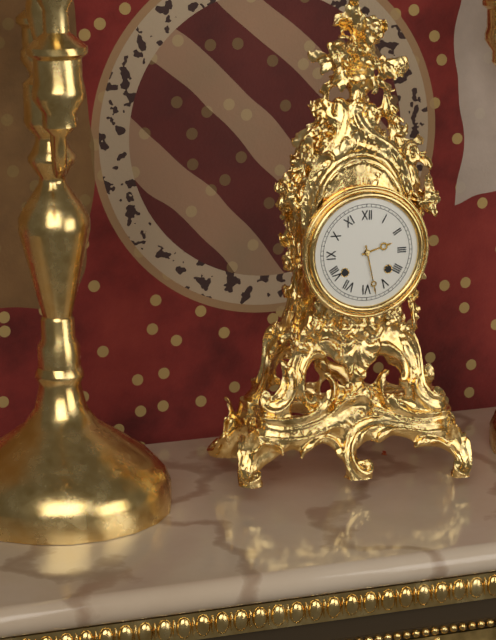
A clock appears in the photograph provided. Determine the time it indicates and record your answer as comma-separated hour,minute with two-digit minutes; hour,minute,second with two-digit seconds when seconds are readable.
2,28
